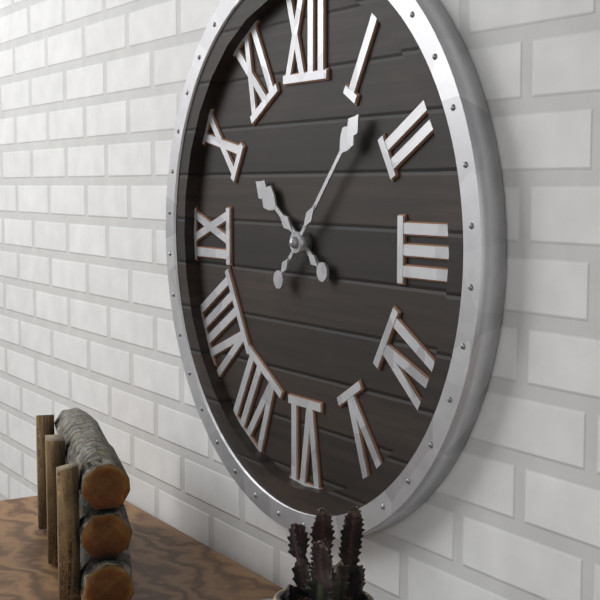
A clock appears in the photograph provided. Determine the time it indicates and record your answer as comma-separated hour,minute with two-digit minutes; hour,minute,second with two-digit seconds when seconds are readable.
10,07
